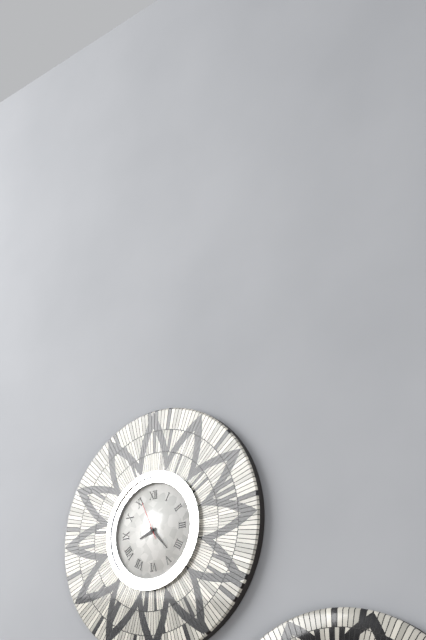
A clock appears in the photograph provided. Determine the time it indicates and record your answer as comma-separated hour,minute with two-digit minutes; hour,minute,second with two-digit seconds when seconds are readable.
8,23
